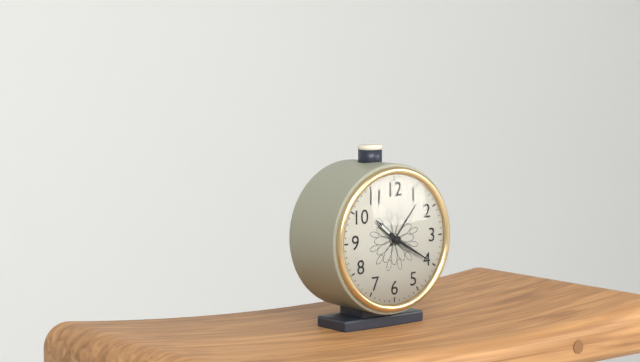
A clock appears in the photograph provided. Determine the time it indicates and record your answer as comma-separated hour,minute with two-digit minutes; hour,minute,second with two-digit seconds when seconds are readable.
10,20
